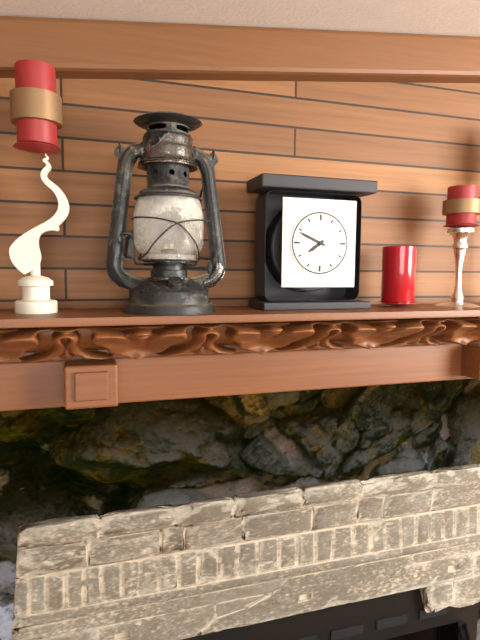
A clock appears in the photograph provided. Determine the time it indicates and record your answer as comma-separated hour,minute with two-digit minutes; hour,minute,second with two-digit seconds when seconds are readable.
7,49
